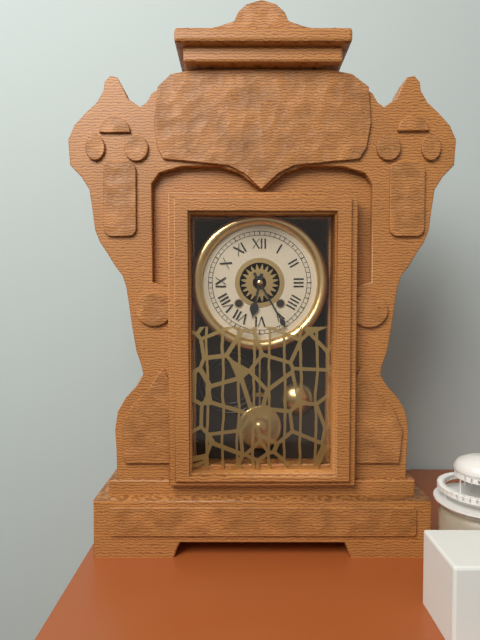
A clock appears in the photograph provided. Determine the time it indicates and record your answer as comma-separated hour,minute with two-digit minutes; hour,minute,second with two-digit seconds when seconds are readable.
6,25
